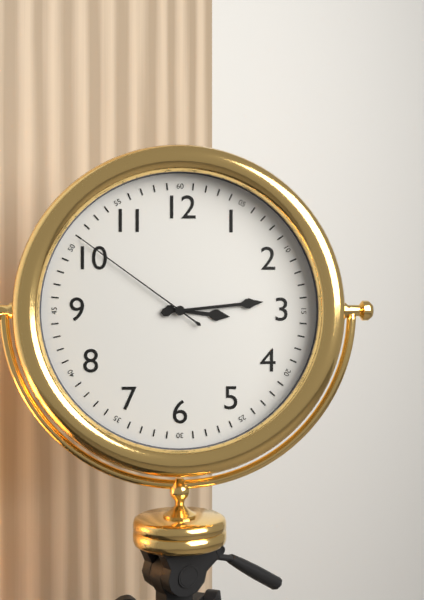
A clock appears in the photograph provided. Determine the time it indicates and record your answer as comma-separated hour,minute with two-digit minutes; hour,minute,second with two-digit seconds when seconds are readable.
3,14,51
